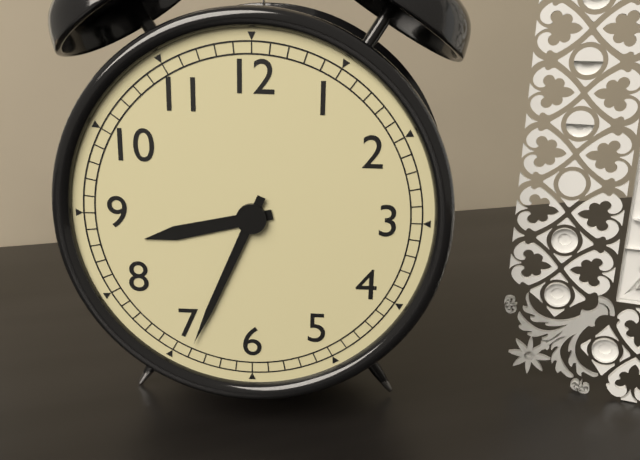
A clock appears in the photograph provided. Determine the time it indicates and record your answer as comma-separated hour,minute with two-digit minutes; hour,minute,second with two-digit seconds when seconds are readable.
8,34
